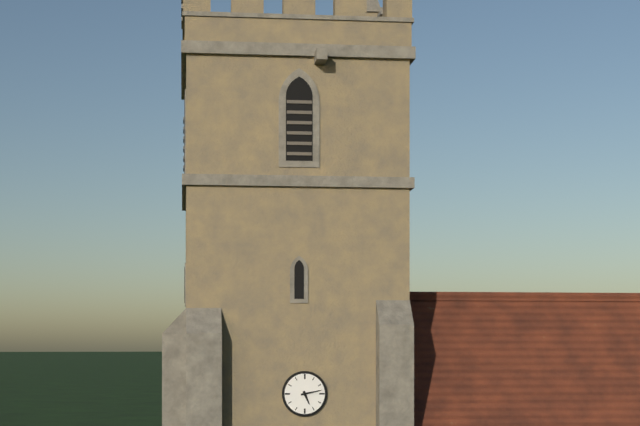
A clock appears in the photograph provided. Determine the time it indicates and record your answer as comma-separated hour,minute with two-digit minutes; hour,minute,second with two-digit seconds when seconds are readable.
5,13
